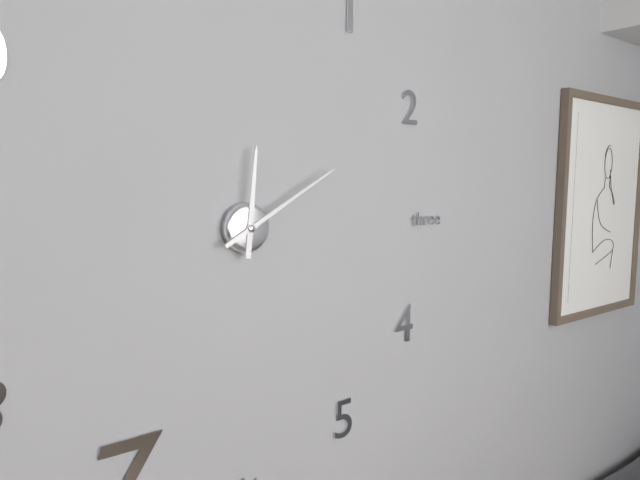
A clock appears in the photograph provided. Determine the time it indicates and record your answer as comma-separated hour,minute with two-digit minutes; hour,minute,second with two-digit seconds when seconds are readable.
12,10
